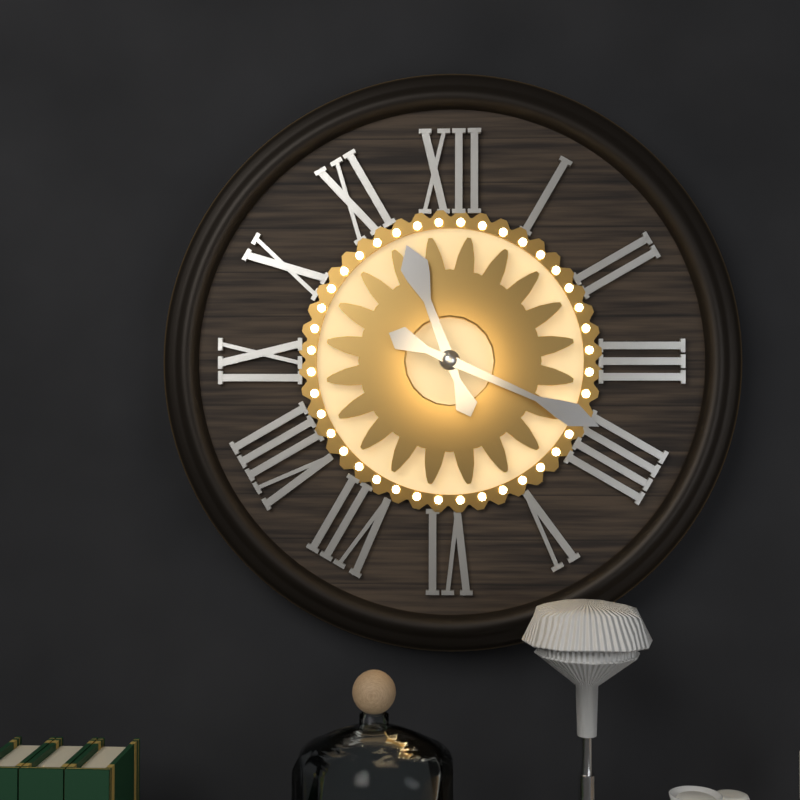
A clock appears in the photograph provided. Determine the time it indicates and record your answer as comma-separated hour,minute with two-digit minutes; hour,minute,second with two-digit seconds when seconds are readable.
11,19
